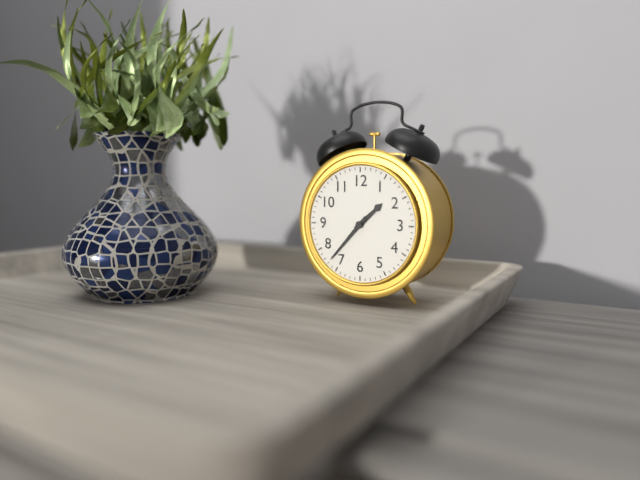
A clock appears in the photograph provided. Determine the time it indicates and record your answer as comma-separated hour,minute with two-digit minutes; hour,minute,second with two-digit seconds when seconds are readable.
1,37
